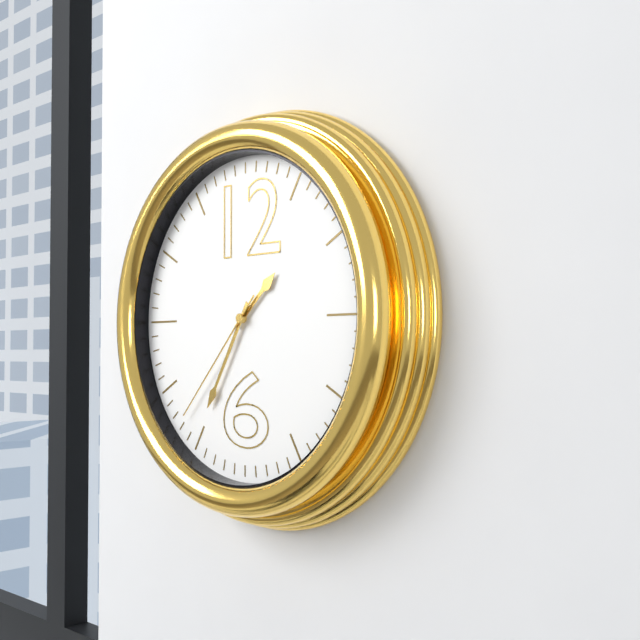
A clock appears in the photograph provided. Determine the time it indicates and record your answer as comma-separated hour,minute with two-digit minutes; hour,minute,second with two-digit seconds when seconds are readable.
1,35,37
